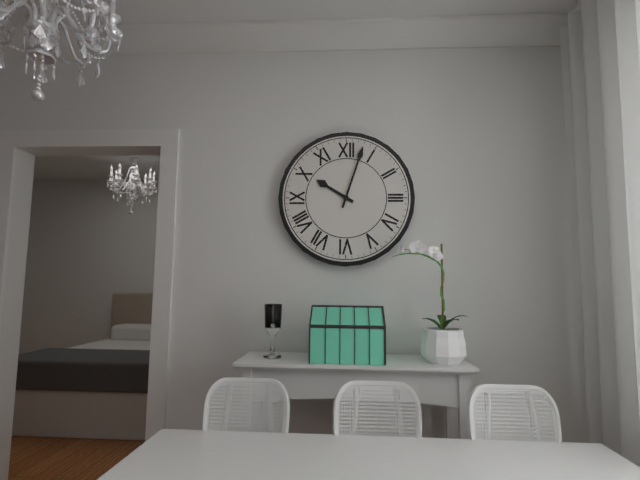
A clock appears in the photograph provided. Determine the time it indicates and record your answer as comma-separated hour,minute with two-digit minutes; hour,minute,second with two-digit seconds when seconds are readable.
10,03
